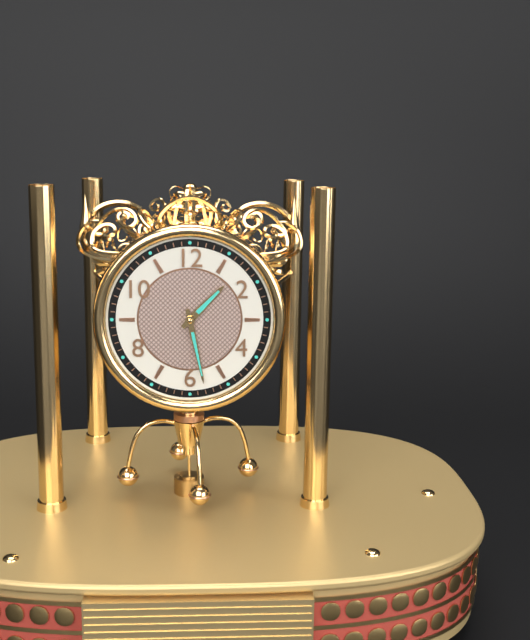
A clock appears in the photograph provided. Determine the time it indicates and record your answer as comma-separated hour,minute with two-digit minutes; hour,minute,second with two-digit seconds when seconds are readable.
1,28
